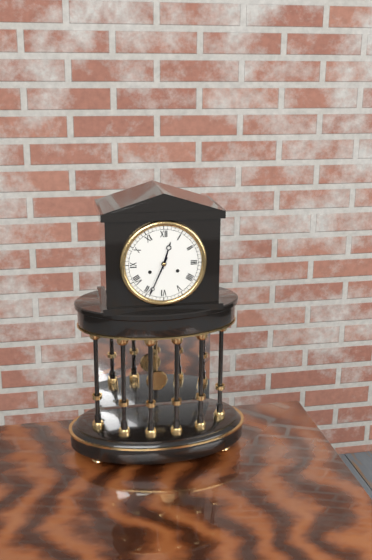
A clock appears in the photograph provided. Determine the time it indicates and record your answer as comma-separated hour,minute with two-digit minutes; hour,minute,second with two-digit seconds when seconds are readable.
12,34
